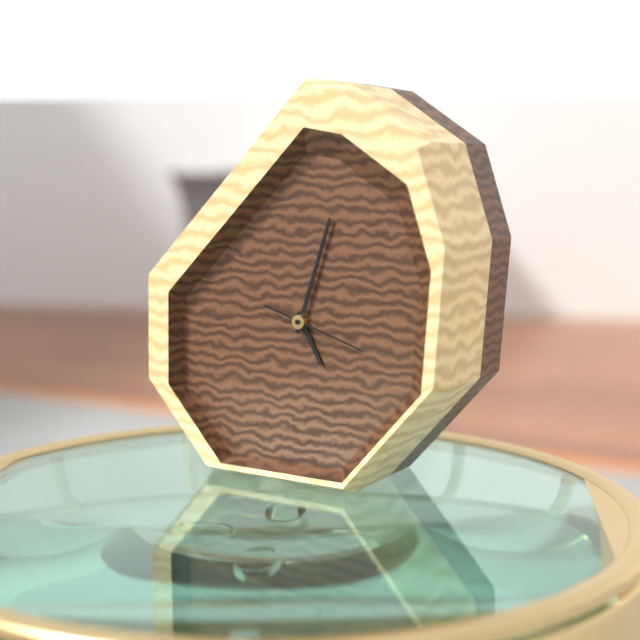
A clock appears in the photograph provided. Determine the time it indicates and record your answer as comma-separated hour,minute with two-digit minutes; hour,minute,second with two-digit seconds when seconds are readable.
5,03,18
